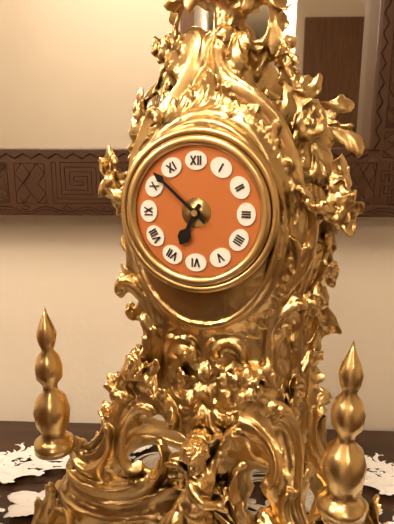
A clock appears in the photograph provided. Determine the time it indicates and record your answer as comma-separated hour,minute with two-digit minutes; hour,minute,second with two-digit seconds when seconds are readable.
6,52
